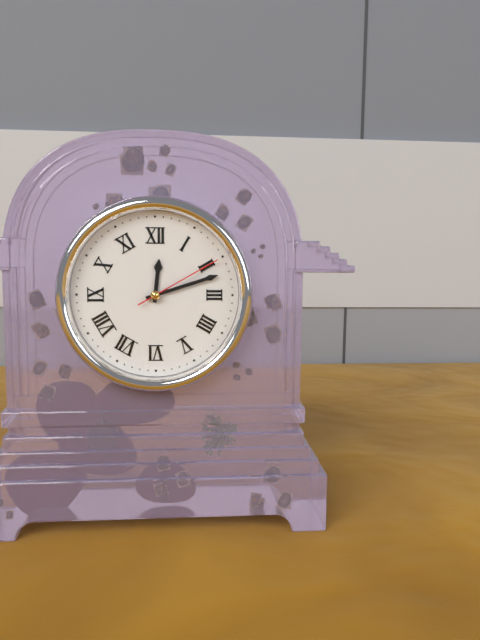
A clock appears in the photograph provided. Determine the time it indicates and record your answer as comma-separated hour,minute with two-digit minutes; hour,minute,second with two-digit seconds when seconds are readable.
12,12,10
